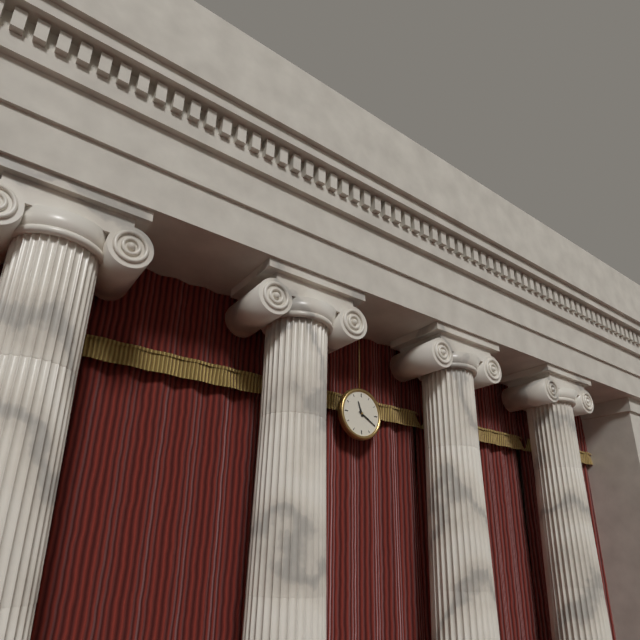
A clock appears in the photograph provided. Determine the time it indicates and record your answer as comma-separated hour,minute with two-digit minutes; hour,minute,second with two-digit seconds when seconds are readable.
11,20
